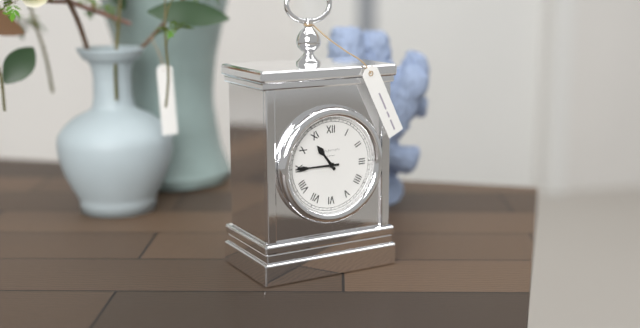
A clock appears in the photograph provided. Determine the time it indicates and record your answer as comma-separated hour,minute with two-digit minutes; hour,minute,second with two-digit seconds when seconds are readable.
10,45
